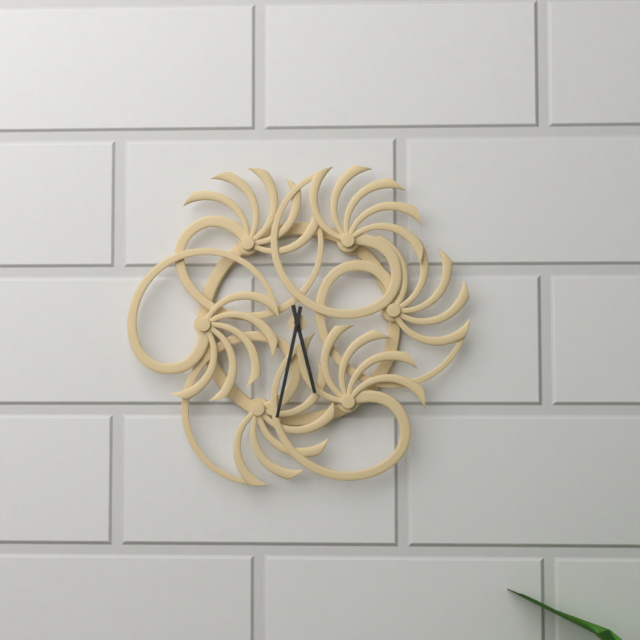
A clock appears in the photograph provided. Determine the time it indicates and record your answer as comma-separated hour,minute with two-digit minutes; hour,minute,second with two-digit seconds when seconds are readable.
5,32
